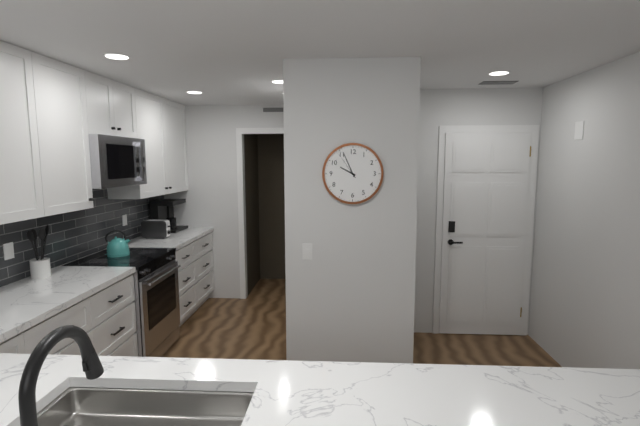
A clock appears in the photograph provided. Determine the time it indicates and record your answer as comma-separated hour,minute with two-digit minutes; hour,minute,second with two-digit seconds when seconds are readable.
9,56
